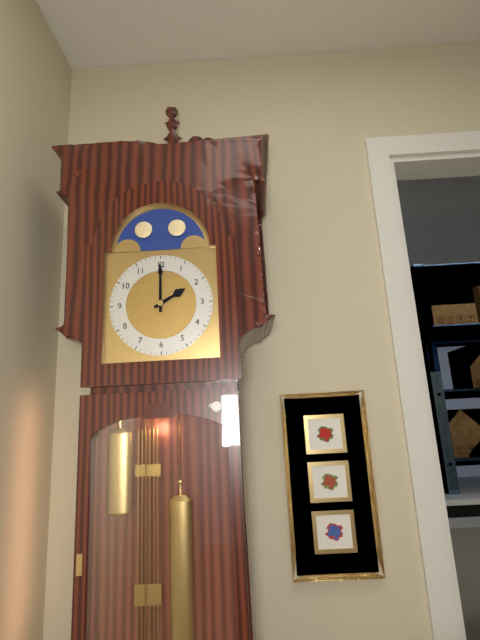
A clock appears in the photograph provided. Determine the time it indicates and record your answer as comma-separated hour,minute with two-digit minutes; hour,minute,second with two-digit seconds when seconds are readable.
2,00
